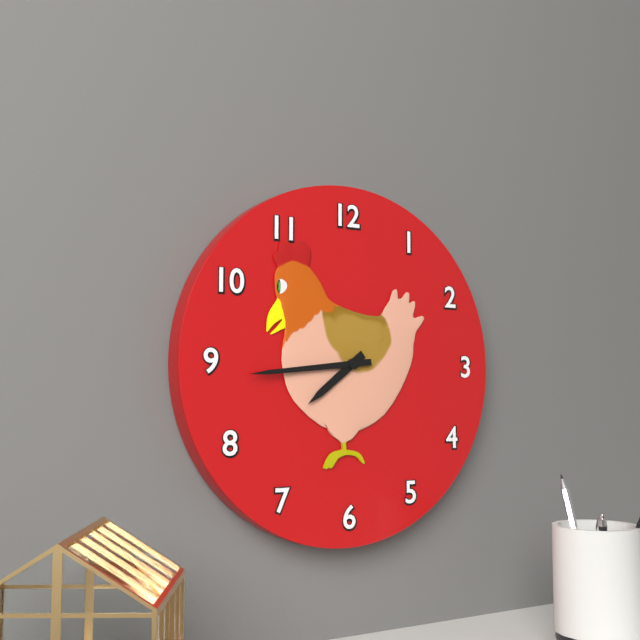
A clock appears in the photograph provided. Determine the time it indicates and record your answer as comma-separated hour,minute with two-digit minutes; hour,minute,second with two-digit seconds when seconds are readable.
7,44
